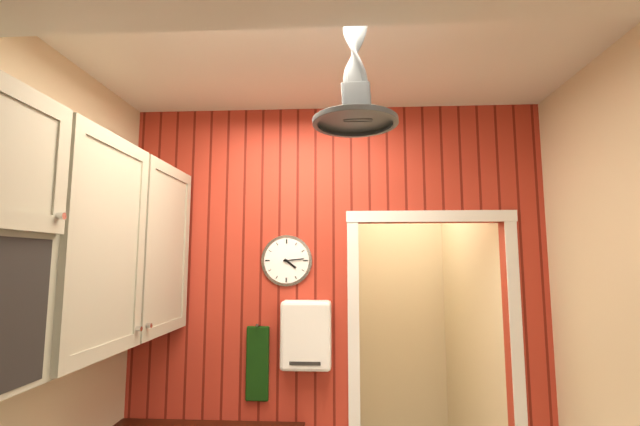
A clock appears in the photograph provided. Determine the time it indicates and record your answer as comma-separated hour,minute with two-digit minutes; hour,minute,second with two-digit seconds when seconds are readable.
4,14
